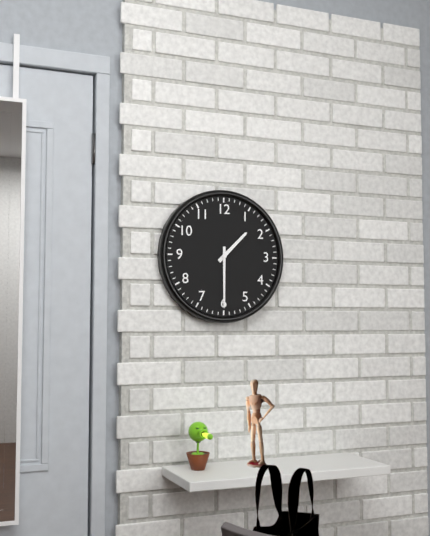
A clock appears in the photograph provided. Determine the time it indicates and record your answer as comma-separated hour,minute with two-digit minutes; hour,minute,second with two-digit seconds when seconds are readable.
1,30
